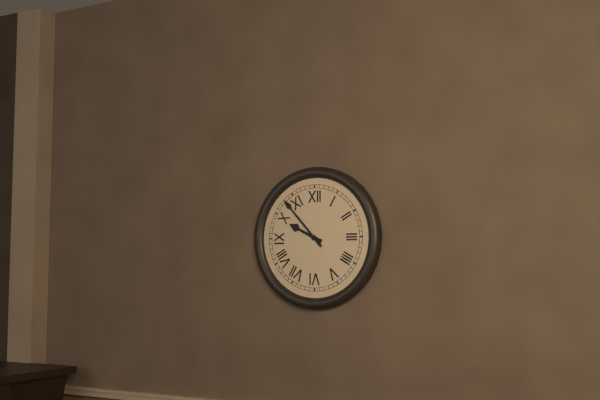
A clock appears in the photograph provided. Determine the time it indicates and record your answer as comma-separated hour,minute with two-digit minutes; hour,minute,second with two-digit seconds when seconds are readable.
9,53
